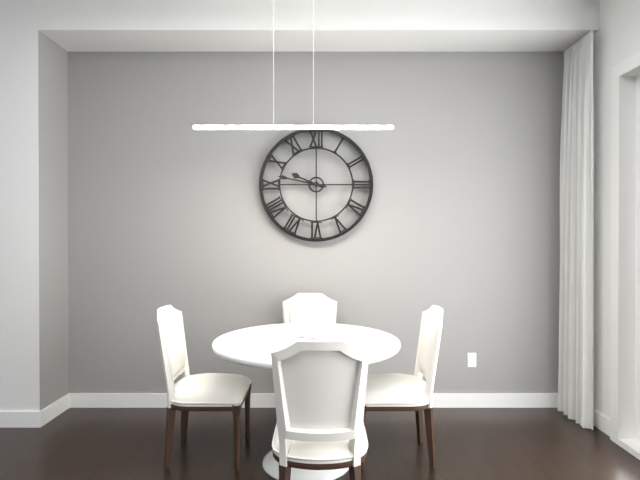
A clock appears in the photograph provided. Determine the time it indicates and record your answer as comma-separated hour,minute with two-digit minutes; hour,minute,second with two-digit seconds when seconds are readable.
9,47
